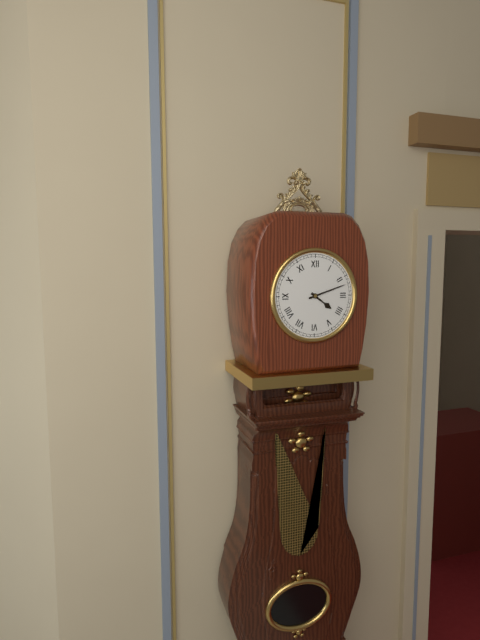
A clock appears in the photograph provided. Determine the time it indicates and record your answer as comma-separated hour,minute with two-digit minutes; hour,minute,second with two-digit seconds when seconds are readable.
4,12
